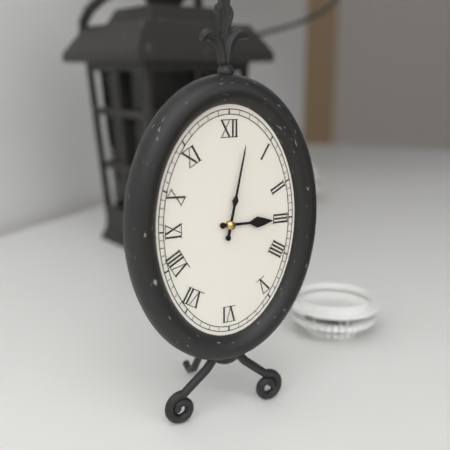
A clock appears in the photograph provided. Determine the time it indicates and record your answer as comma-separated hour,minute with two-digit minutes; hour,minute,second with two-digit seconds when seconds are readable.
3,02
